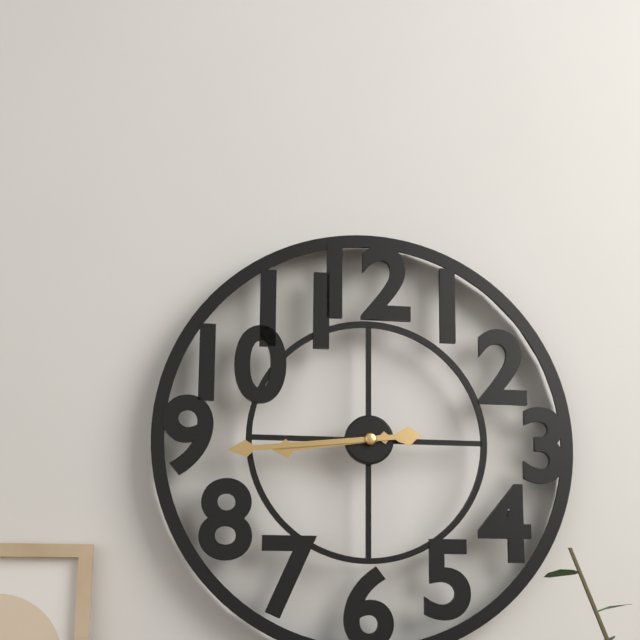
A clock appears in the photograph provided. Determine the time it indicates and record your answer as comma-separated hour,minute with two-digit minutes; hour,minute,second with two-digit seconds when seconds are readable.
8,44
